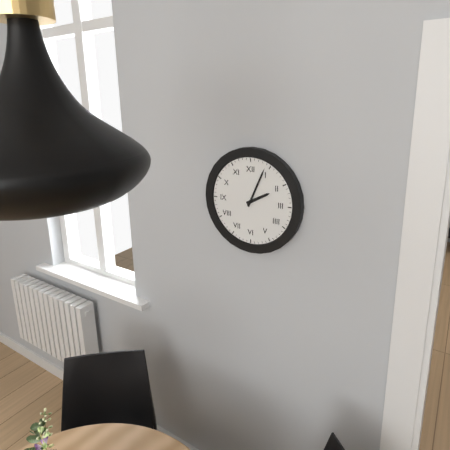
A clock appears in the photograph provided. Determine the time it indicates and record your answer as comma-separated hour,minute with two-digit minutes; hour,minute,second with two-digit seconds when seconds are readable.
2,04
